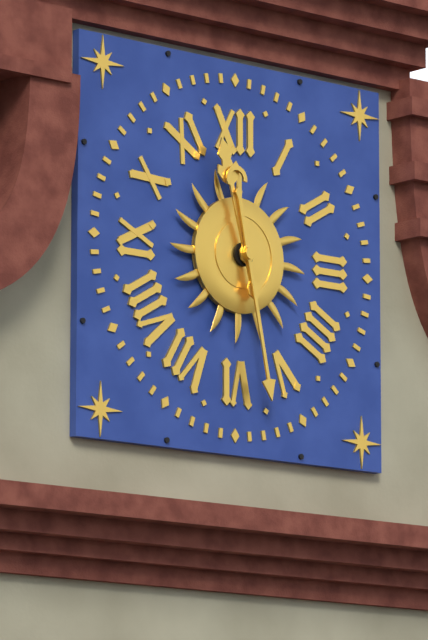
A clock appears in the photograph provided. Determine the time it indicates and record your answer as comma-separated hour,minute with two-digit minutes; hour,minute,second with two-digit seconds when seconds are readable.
11,28
